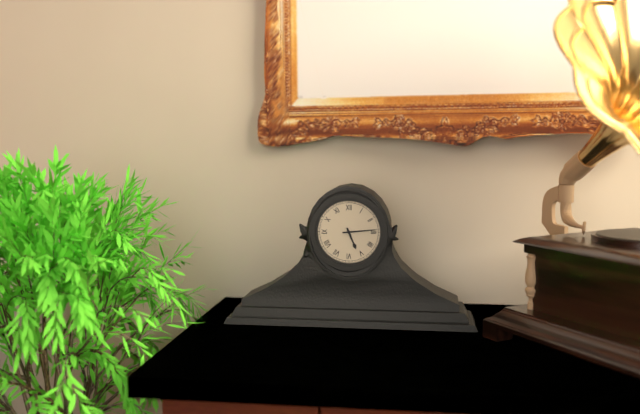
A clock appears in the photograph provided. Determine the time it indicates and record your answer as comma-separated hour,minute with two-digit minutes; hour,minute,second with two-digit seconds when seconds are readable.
5,14
